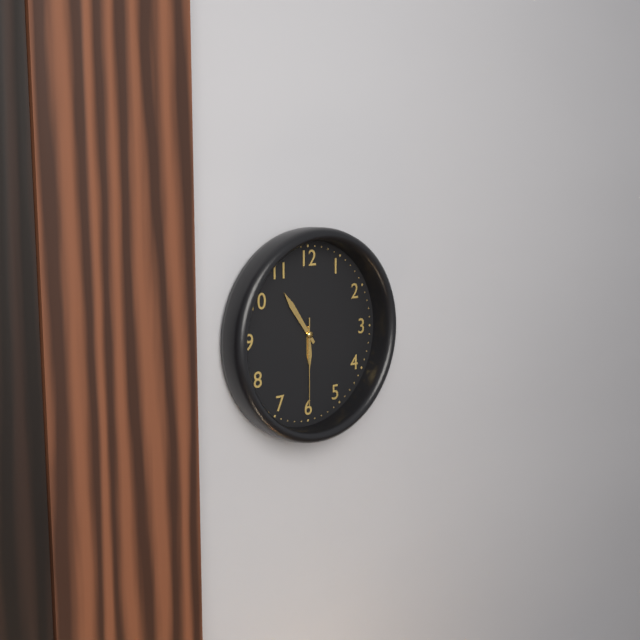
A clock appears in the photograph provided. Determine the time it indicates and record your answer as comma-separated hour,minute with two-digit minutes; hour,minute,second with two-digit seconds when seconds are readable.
5,54,30
